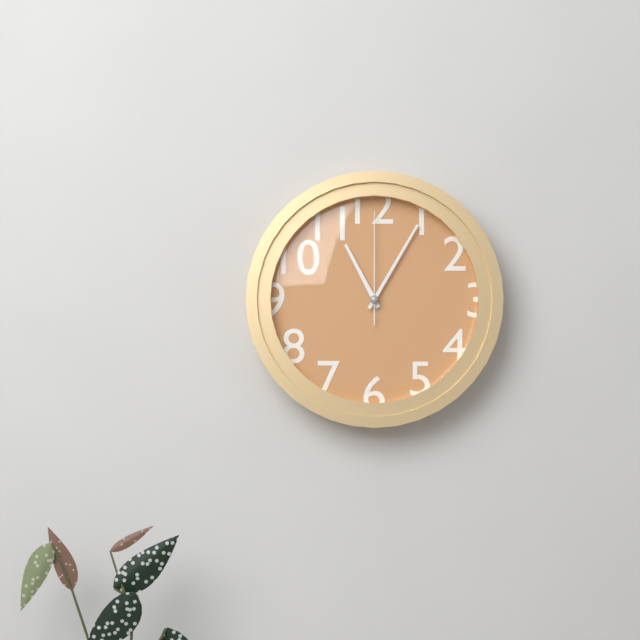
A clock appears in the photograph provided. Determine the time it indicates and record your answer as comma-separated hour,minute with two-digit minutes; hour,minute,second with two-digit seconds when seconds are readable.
11,05,00
